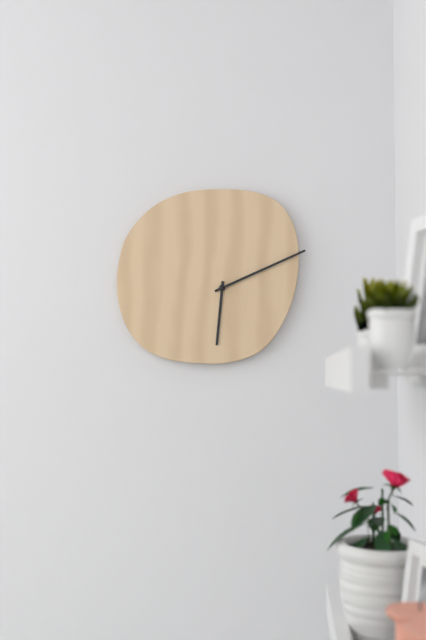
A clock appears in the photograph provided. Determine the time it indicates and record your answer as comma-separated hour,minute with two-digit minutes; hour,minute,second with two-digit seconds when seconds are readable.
6,11
